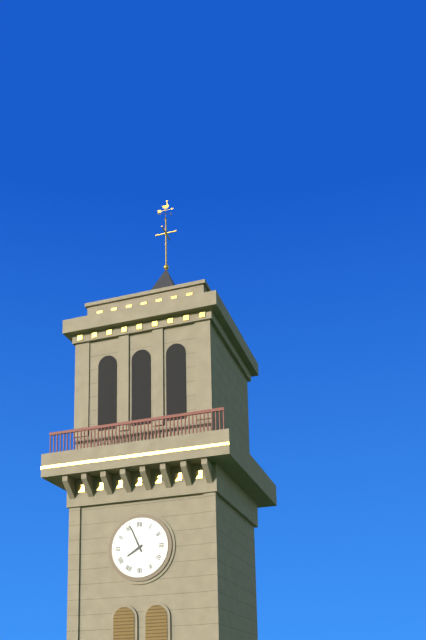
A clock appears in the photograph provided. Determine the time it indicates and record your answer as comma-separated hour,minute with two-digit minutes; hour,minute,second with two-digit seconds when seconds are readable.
7,56
